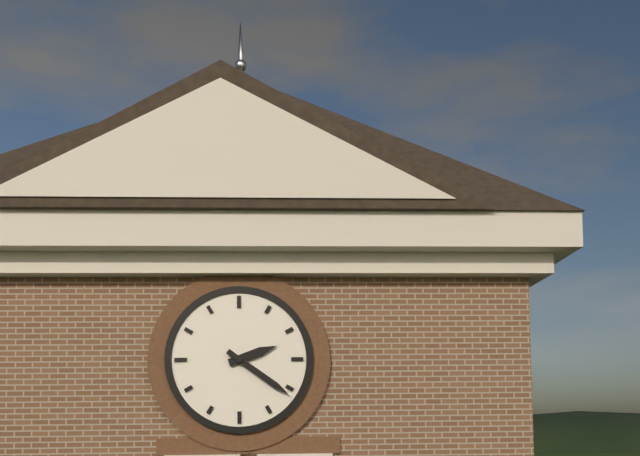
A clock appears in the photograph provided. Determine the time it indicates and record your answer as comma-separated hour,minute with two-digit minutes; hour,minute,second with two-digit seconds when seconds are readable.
2,21
